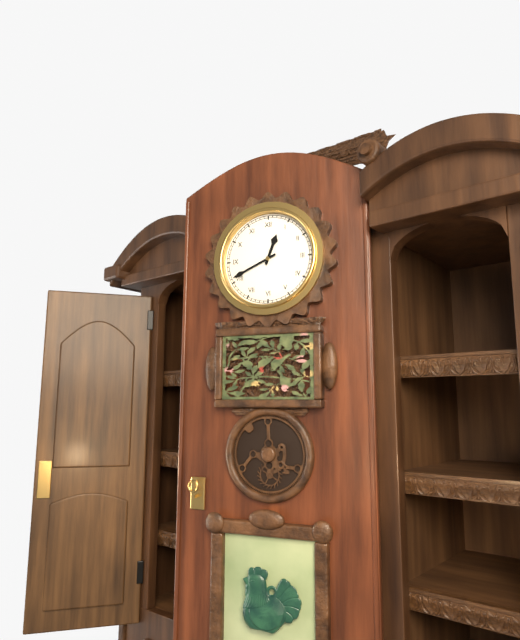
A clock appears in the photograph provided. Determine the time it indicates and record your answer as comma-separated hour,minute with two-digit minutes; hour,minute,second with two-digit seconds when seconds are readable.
12,41
